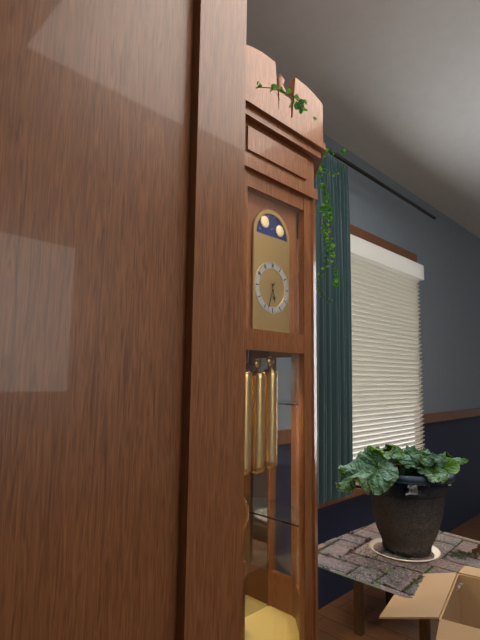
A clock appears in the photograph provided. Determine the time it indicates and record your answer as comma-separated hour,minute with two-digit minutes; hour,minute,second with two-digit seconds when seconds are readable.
5,33
